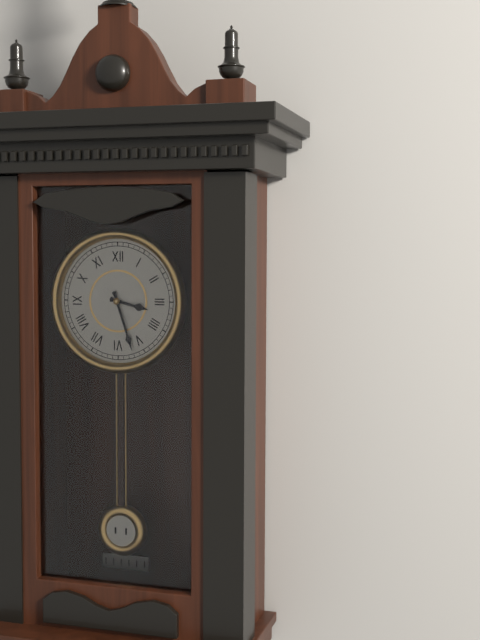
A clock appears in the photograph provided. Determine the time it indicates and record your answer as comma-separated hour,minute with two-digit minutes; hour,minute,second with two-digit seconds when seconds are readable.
3,27
